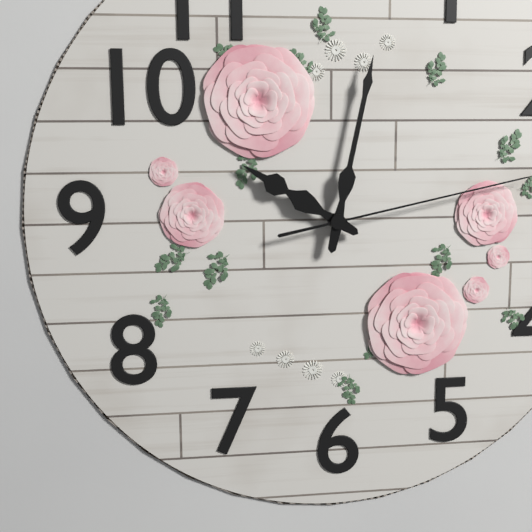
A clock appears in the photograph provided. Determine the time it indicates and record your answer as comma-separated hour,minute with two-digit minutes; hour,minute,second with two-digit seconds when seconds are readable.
10,02
